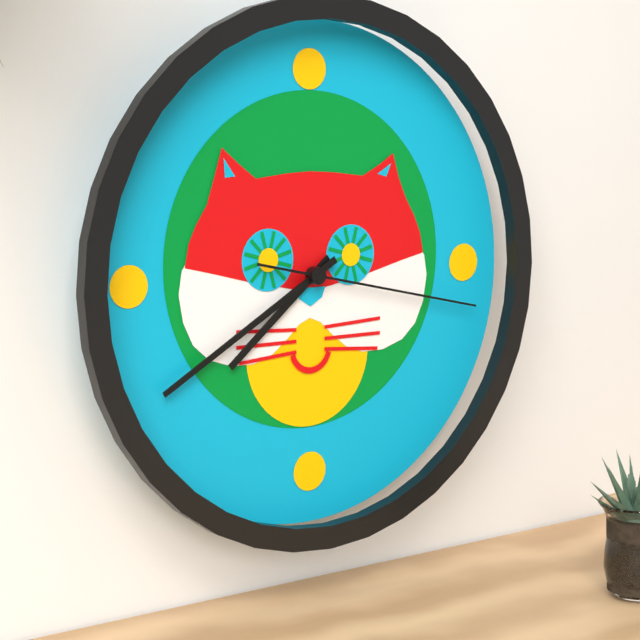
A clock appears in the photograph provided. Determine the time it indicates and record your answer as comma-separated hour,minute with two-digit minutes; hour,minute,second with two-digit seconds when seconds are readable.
7,40,17
